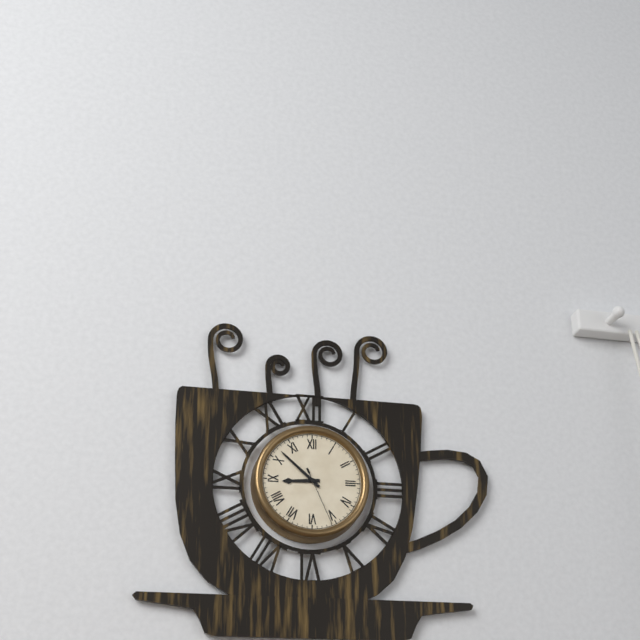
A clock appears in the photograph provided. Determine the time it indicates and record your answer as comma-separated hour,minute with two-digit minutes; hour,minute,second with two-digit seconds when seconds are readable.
8,52,26
